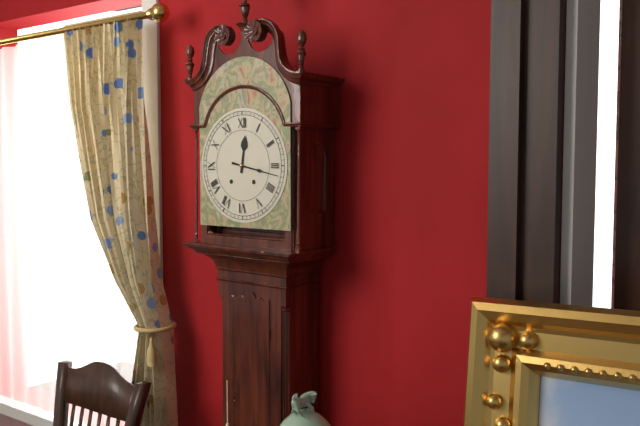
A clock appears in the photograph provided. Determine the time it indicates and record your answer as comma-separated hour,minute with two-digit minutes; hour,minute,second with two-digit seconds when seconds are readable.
12,17
